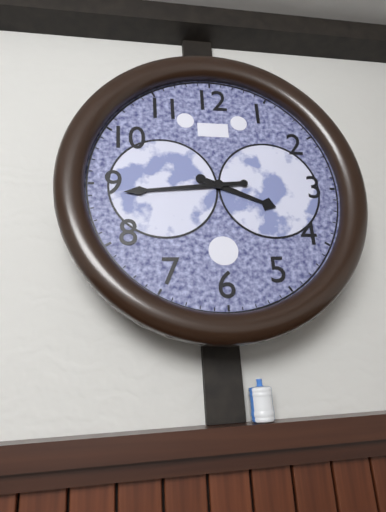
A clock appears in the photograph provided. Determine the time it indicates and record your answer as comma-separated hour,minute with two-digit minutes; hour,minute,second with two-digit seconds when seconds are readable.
3,44
